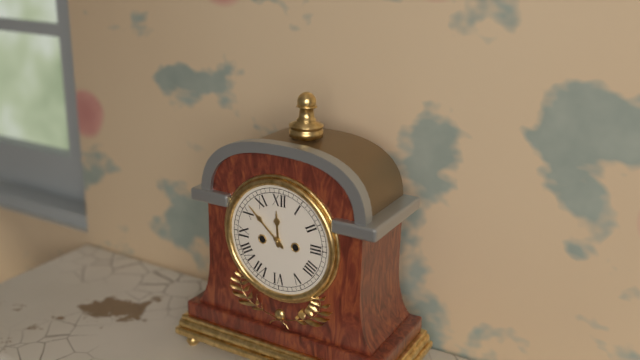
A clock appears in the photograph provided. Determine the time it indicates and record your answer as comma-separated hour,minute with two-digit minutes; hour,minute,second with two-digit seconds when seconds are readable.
11,52
